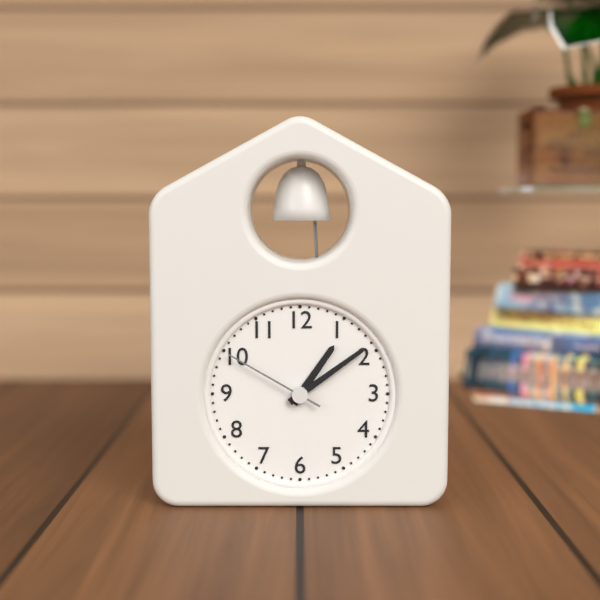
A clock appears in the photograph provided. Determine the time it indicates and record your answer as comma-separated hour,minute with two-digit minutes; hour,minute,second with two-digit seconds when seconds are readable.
1,09,50
